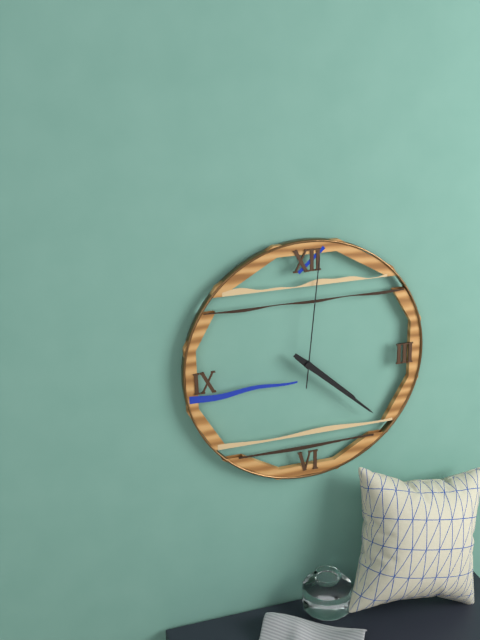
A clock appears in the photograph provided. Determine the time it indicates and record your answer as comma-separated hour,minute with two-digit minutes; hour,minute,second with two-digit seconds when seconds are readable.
4,22,01
